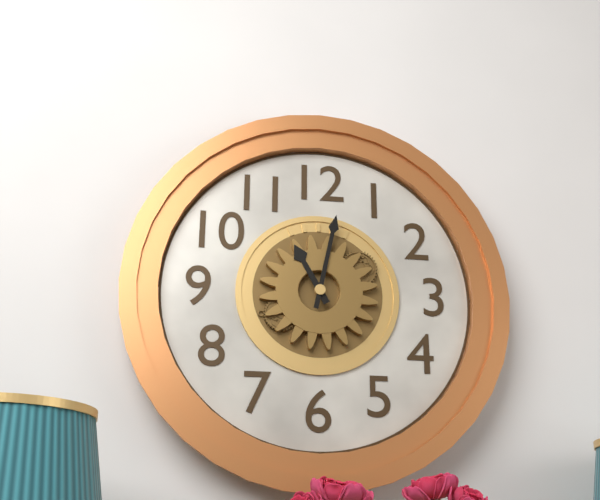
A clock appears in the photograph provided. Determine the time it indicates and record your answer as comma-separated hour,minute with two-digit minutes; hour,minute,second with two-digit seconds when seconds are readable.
11,02
